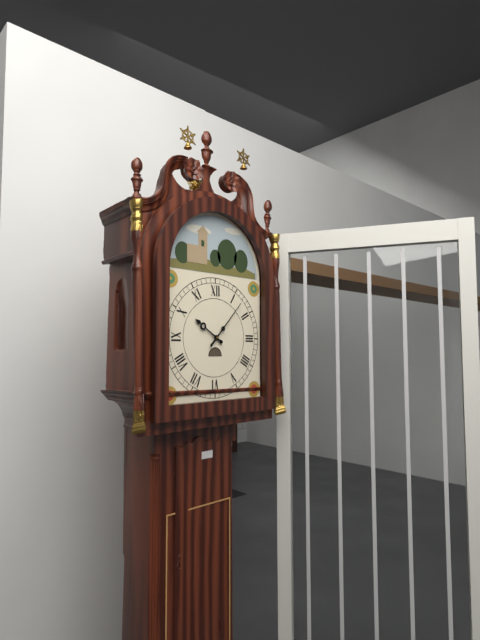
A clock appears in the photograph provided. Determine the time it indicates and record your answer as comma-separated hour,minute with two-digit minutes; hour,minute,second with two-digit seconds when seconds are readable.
10,07
